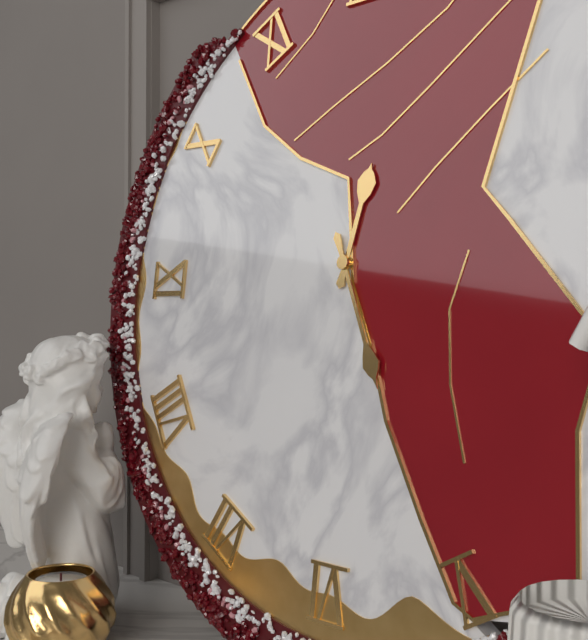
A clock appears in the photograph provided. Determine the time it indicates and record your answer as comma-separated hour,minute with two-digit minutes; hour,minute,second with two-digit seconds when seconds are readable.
12,26
